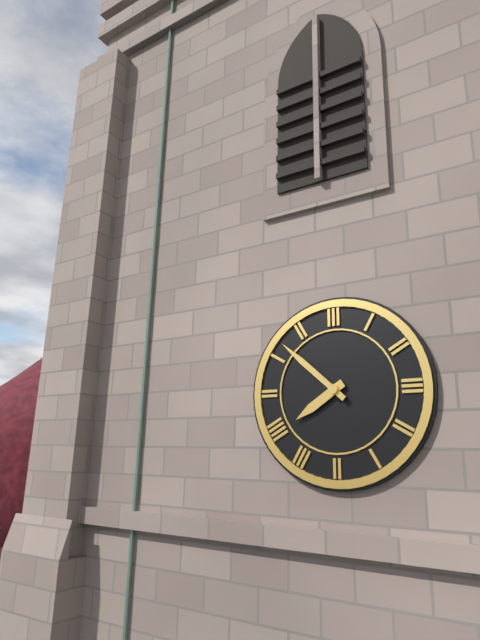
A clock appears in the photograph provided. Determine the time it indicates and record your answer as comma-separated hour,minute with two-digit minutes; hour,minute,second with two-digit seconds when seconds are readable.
7,52
